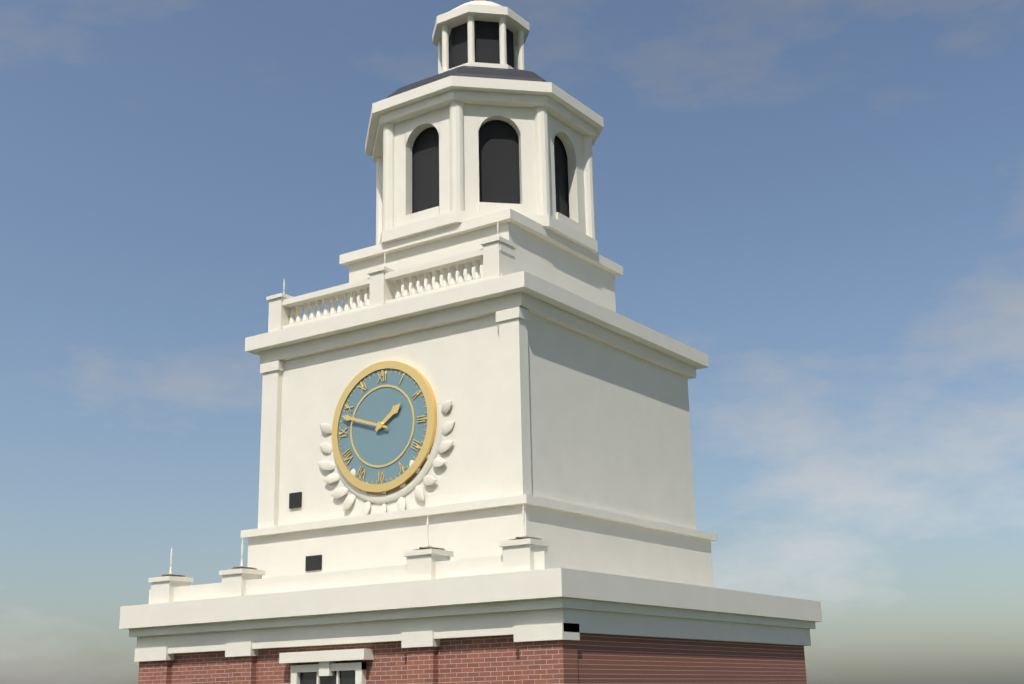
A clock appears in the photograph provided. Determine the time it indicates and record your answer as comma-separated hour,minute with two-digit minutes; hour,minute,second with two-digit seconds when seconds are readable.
1,48
